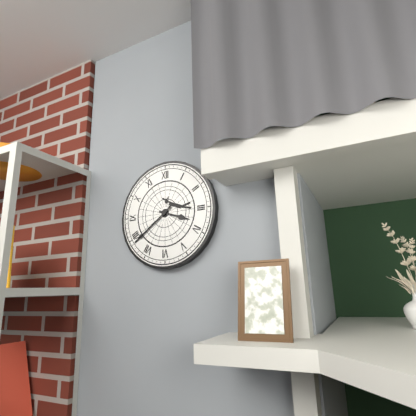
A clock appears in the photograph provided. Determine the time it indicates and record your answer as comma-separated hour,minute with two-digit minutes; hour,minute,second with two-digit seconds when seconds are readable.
3,39
